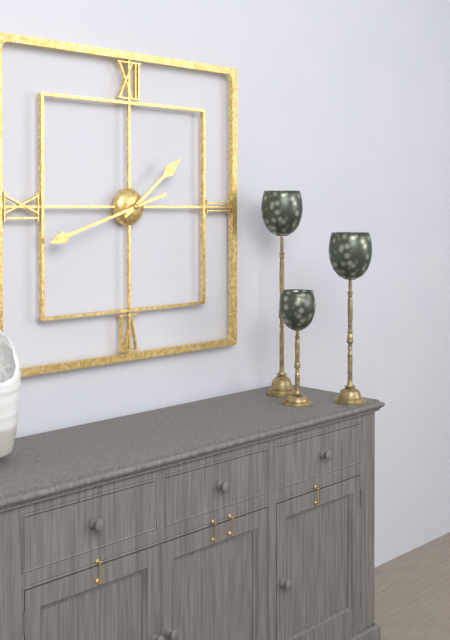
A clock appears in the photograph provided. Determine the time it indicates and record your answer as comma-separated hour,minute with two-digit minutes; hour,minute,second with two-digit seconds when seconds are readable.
1,42
